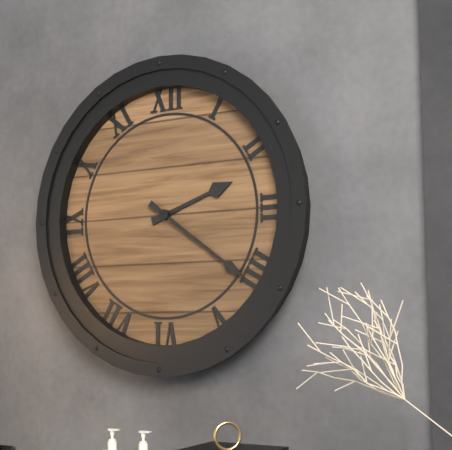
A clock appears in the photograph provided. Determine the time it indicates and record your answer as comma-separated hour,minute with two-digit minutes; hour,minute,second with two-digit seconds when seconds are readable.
2,21
